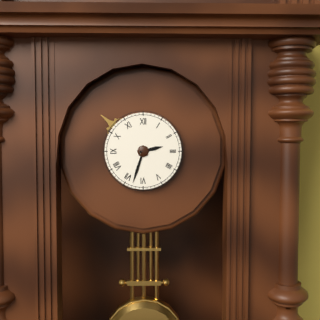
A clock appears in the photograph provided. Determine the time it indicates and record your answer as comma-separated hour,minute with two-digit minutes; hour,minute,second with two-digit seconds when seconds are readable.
2,33
